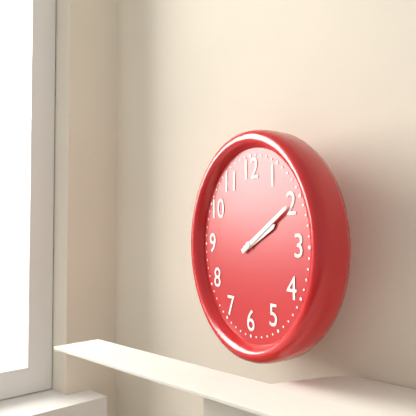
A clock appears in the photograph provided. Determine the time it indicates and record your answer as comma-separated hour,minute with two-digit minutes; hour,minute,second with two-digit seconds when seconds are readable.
2,10
